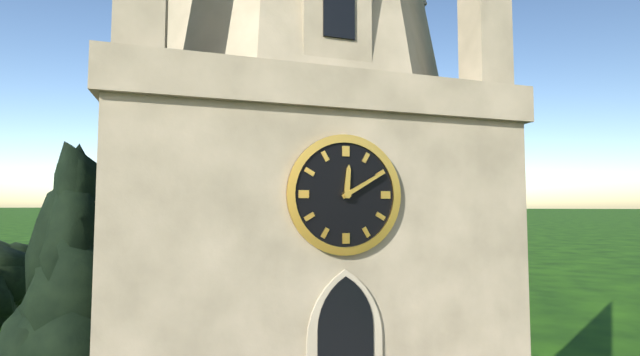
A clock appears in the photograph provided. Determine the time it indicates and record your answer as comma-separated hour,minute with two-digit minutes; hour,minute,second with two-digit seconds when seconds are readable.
12,10
